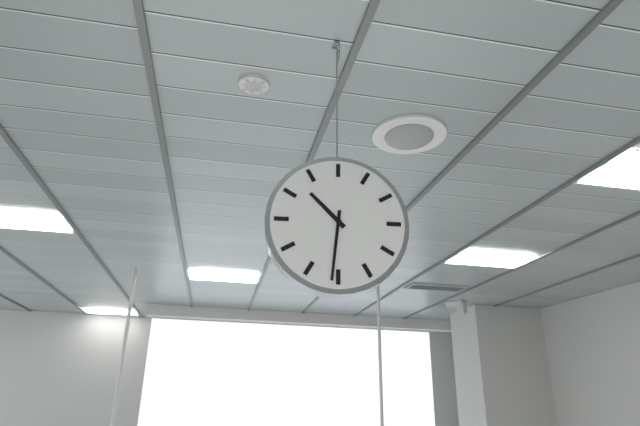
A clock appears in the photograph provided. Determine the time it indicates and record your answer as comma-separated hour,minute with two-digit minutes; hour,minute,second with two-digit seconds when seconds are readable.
10,31
